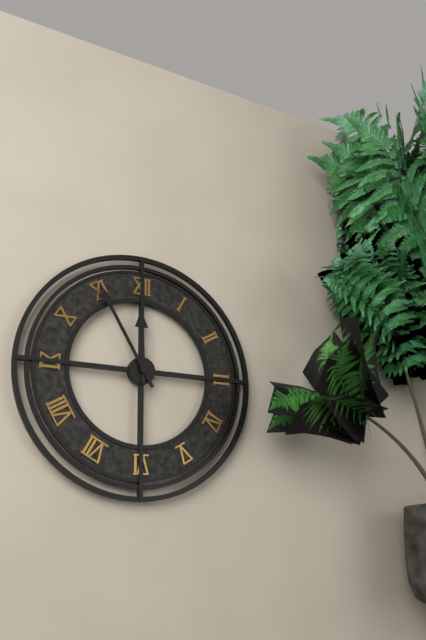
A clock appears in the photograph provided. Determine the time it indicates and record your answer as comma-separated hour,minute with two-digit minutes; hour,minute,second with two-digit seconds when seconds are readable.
11,55
